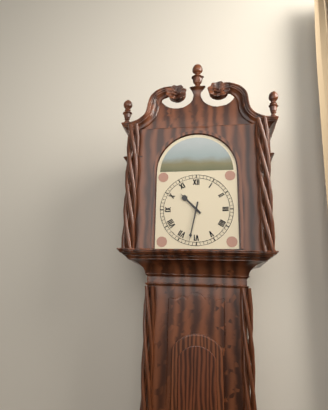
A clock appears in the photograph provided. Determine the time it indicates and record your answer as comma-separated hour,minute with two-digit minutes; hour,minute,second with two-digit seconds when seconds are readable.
10,32
